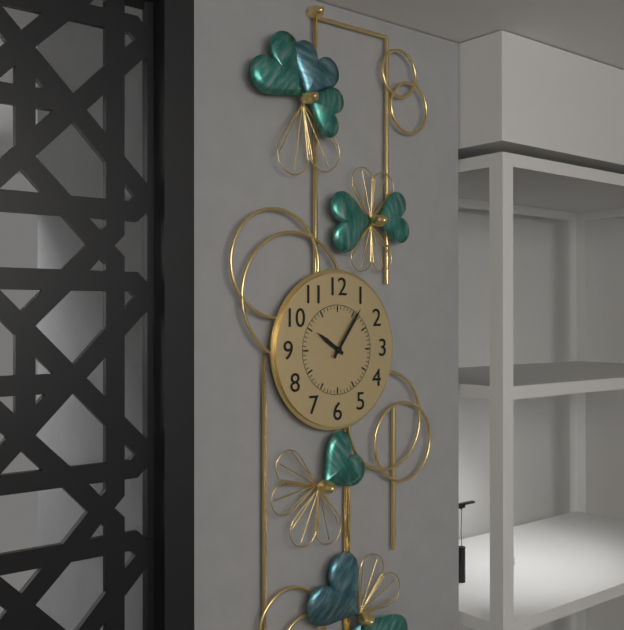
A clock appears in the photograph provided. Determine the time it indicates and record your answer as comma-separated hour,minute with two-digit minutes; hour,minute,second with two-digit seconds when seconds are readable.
10,06
